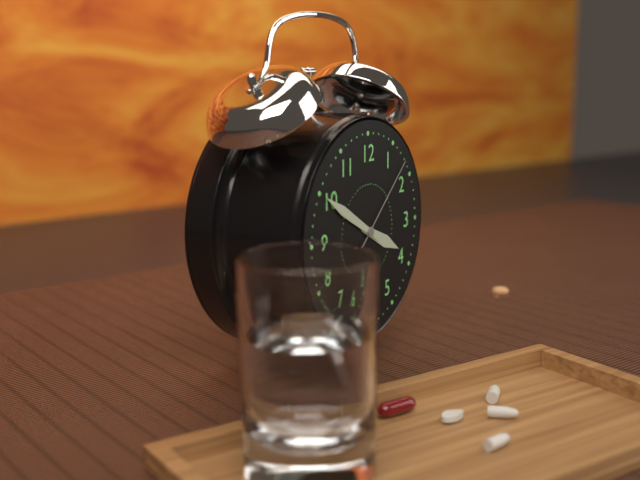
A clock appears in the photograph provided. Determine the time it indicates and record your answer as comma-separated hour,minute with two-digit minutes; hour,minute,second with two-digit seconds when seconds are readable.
3,50,08
